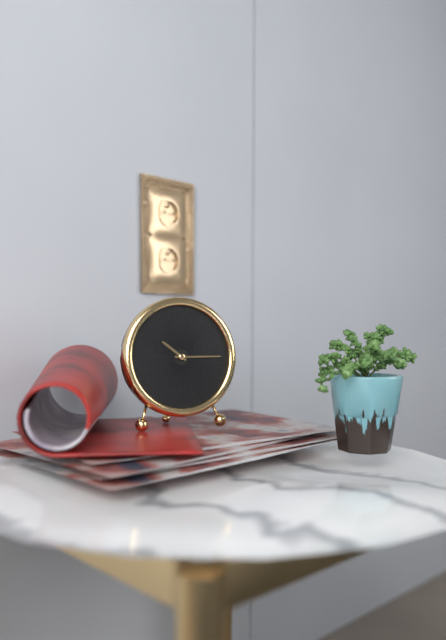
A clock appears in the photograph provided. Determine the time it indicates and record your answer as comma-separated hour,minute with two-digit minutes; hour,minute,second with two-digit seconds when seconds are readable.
10,15
